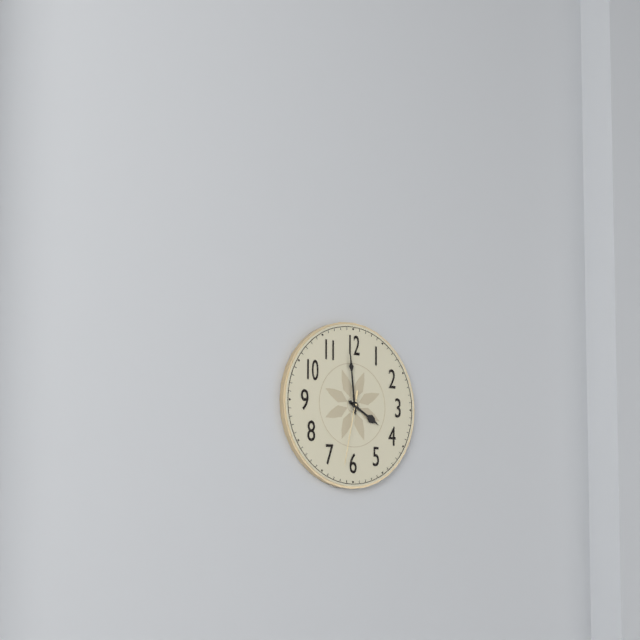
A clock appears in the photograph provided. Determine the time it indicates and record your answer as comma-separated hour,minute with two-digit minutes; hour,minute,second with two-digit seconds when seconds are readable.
3,59,32
